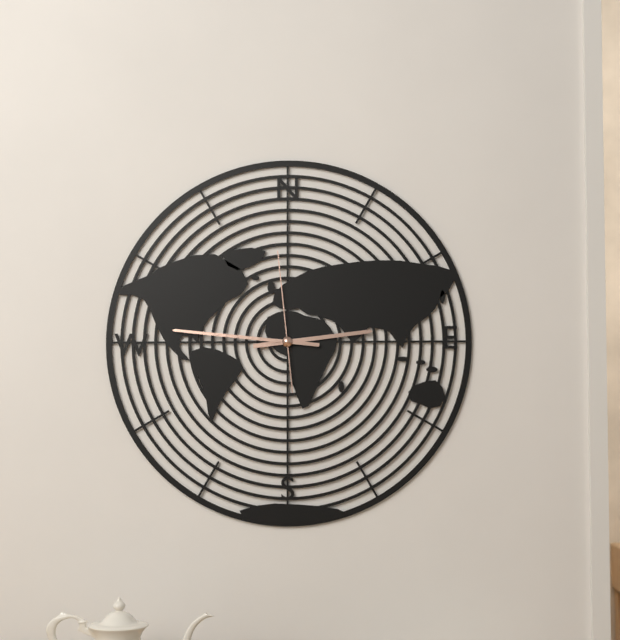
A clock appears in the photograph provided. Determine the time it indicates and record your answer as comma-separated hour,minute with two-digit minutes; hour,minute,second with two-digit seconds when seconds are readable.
2,46,59
